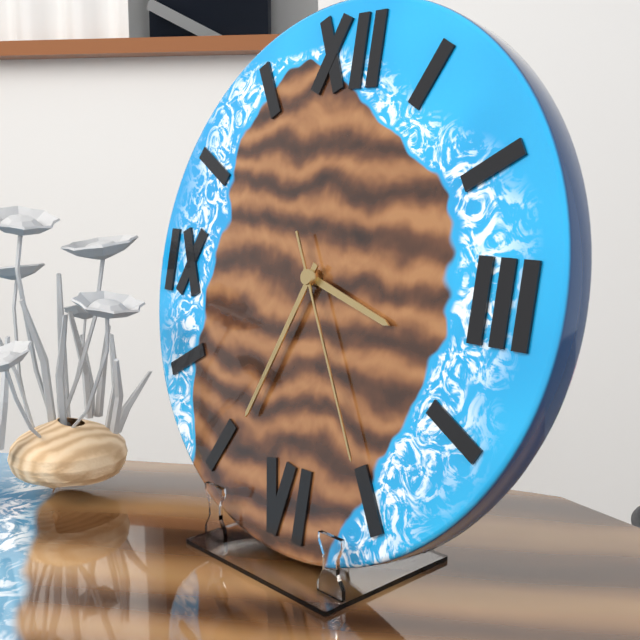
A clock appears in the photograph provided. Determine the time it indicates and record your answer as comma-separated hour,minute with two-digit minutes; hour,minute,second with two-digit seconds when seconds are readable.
3,34,25
